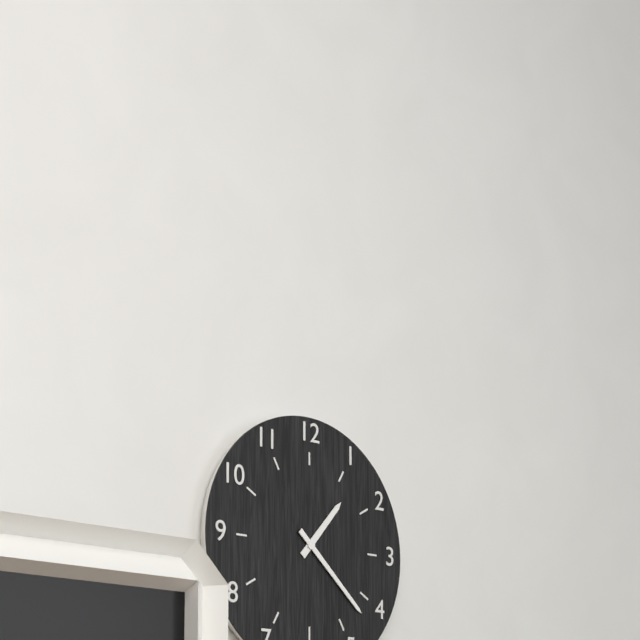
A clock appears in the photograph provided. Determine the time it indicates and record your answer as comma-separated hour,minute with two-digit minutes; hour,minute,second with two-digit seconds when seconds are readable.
1,22
